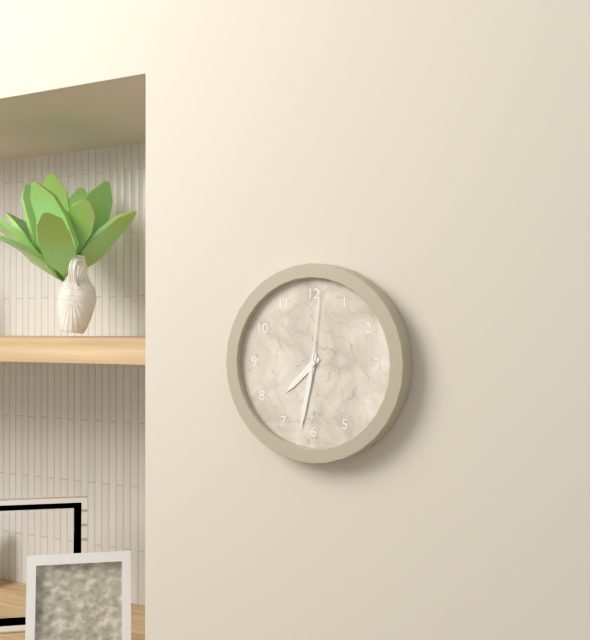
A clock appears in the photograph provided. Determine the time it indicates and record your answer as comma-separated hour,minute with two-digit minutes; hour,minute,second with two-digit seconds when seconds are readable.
7,32,01
